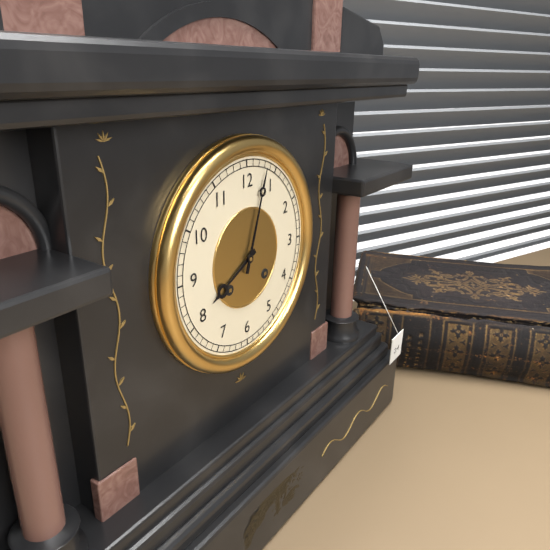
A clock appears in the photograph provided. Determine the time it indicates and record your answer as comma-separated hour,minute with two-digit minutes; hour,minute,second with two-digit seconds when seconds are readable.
8,03
